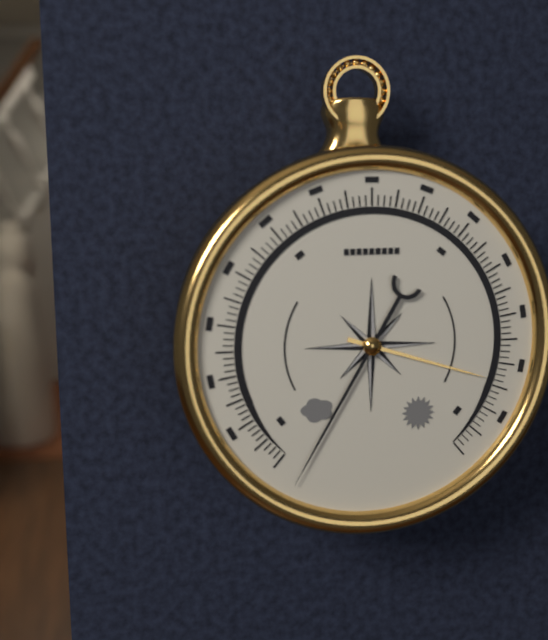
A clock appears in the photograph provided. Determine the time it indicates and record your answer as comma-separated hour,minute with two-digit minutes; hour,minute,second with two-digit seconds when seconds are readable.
3,35
